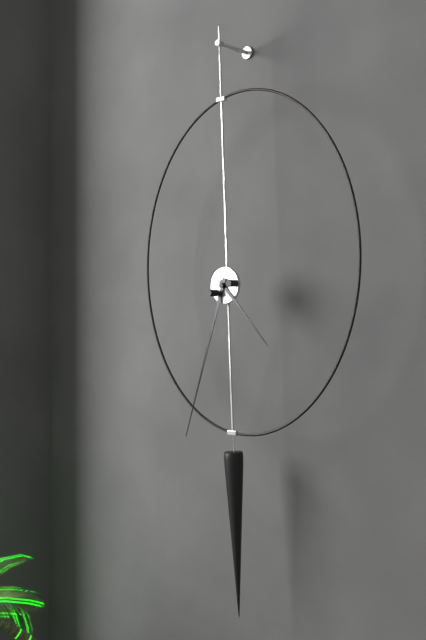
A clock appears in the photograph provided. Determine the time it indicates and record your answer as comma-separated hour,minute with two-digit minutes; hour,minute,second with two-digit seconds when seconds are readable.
4,33
